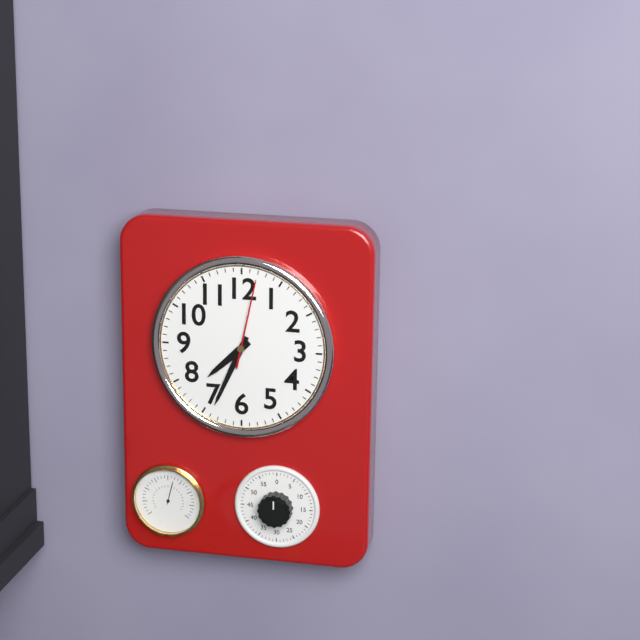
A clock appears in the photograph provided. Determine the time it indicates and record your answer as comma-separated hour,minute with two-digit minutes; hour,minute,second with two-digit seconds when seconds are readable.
7,34,02
